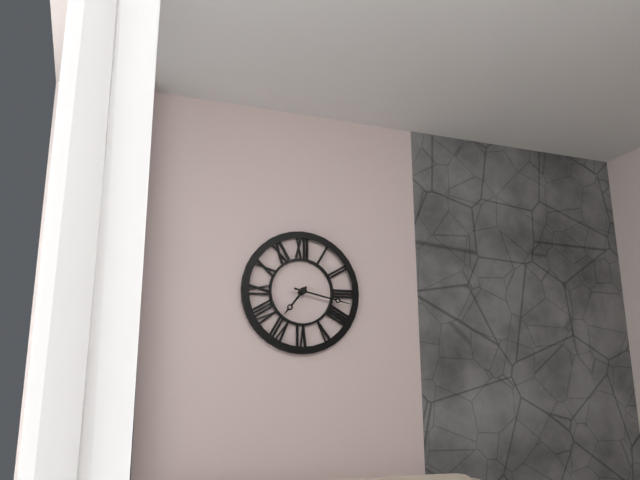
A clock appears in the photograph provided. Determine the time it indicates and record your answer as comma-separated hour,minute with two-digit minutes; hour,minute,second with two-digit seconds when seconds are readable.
7,17
